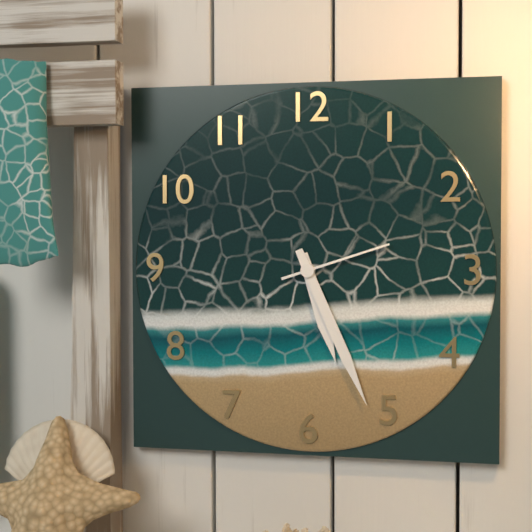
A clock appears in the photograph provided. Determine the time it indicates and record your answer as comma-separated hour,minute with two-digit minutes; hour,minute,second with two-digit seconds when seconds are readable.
5,26,12
